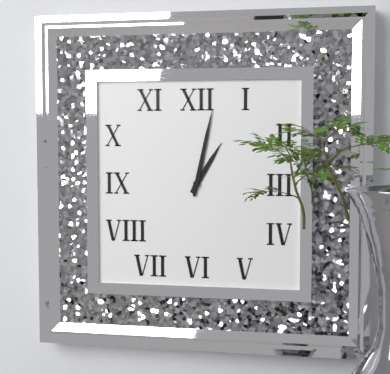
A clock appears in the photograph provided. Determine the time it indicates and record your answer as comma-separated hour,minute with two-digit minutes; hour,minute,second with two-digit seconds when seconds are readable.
1,02
